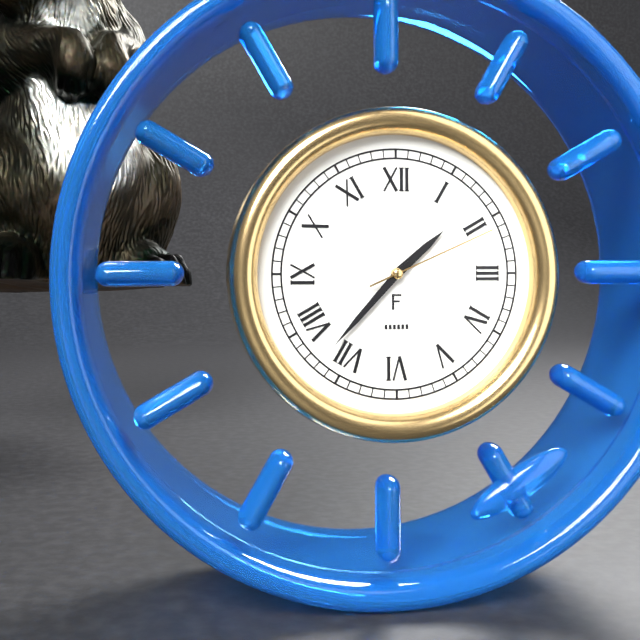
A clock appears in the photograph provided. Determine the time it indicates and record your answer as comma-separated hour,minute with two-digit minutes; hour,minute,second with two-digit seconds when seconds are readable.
1,37,11
